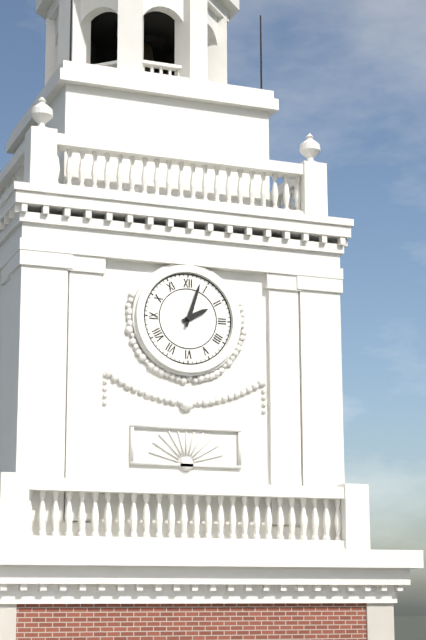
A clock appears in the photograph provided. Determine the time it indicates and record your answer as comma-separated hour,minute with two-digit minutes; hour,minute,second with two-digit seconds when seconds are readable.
2,03
